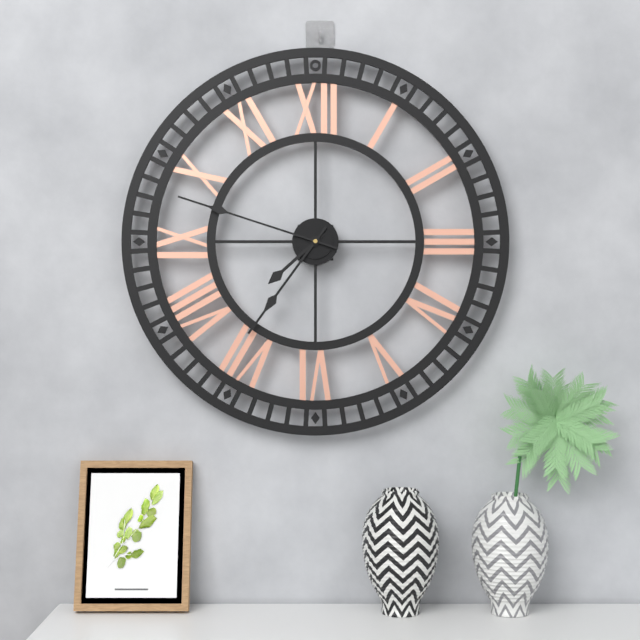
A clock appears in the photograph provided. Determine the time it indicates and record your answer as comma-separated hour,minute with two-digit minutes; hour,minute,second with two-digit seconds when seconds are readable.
7,36,48
